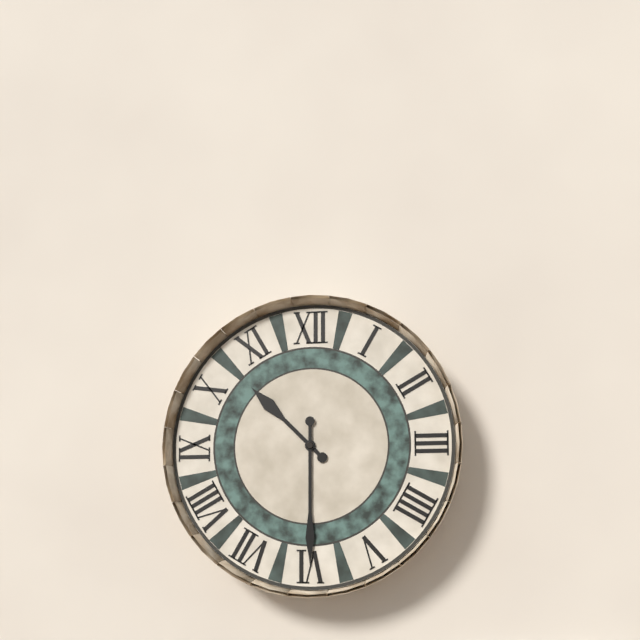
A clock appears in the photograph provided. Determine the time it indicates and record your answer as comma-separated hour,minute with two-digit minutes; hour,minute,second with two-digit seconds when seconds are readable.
10,30
